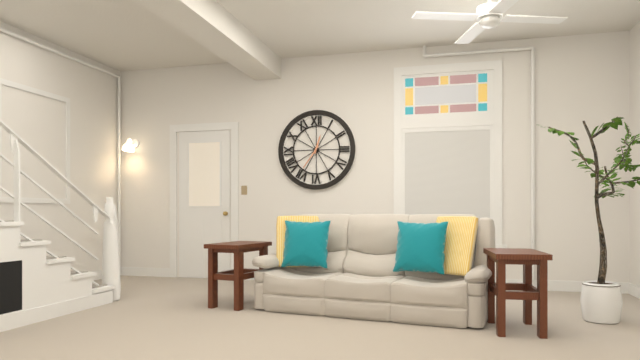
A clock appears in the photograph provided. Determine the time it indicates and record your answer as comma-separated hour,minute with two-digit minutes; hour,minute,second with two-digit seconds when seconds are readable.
12,36
